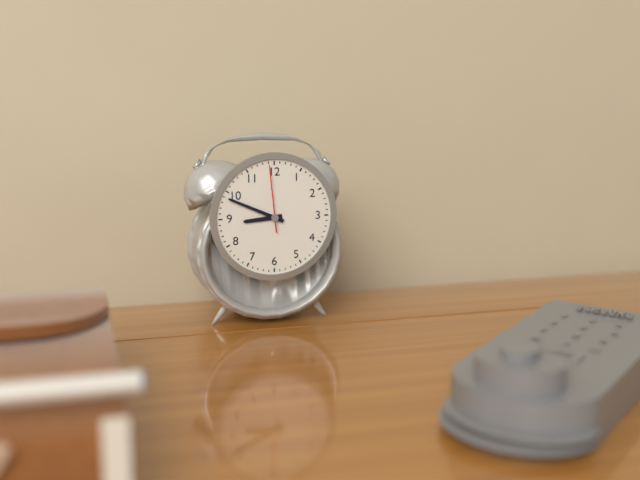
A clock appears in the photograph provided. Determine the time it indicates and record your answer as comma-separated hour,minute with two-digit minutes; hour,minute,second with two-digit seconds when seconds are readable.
8,49,59
